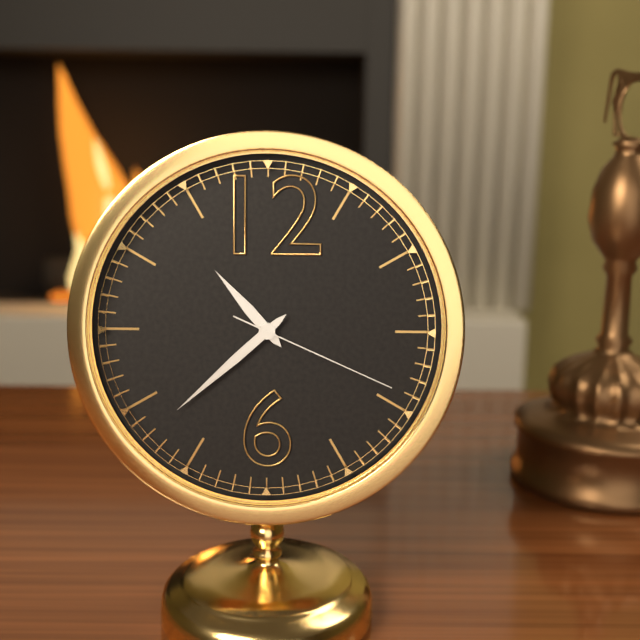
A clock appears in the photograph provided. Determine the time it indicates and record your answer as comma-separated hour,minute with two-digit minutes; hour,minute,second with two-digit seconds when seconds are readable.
10,38,19
